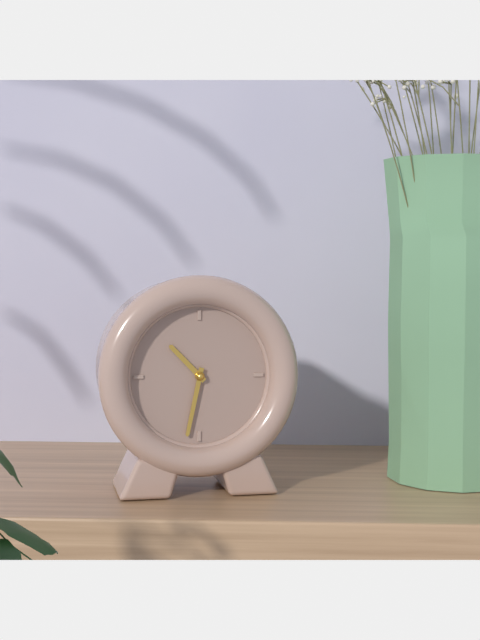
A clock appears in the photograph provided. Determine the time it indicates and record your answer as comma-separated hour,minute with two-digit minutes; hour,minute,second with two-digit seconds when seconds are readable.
10,32
